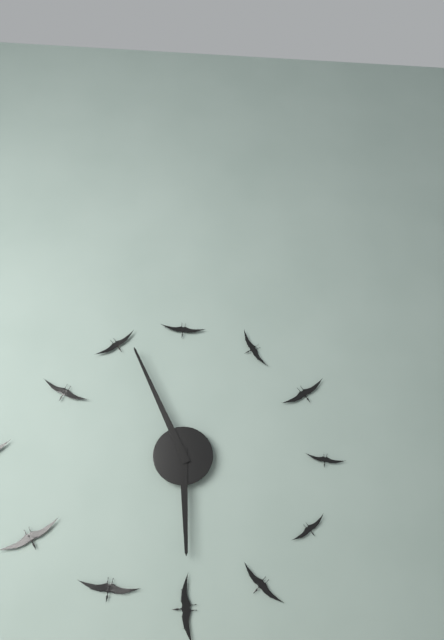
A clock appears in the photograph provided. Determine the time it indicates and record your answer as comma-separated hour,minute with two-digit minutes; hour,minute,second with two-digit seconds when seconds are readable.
5,56
